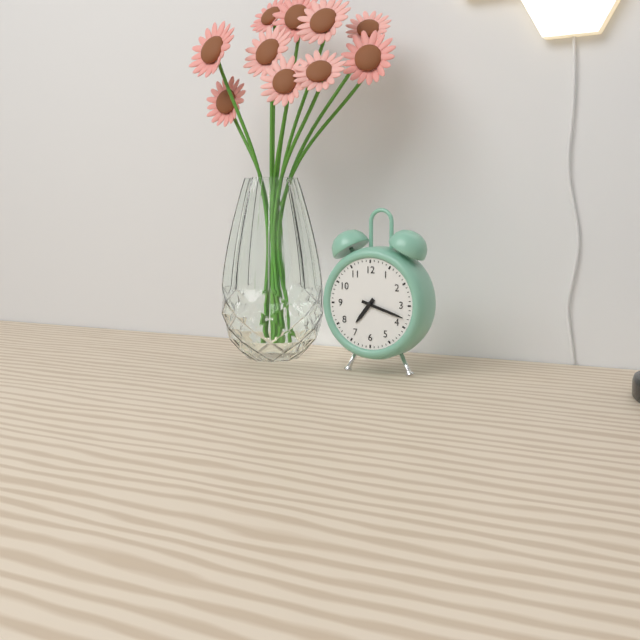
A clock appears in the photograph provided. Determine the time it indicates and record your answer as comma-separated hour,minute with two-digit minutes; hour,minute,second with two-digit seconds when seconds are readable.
7,18
